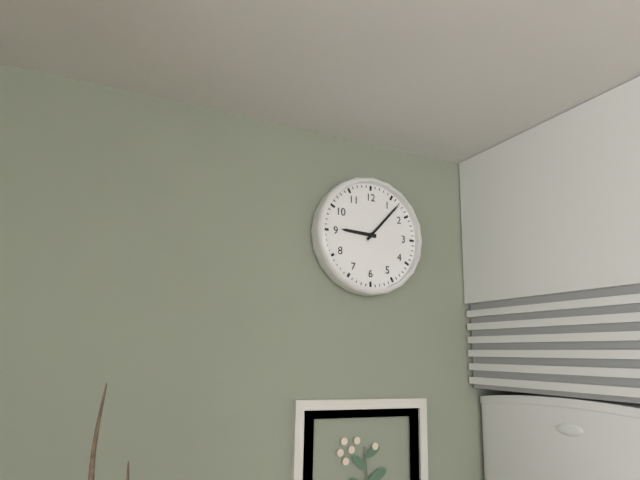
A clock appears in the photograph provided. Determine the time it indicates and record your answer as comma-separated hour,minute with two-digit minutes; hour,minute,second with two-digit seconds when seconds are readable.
9,07
